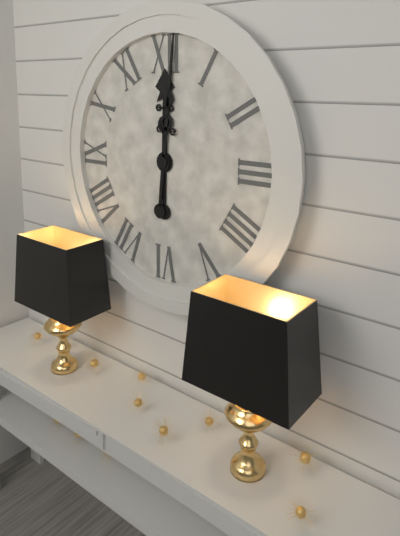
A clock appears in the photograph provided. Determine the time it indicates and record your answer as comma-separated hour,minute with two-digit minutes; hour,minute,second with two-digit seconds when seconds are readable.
12,01
